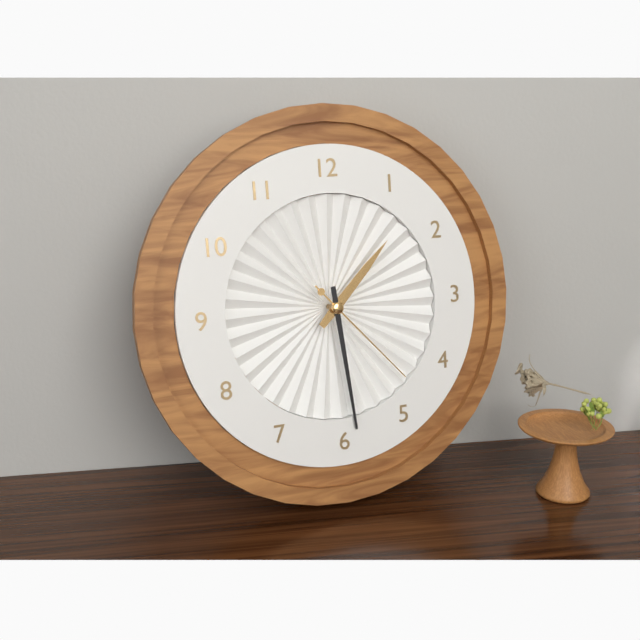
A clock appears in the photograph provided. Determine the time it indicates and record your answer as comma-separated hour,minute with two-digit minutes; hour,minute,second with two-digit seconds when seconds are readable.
1,29,23
